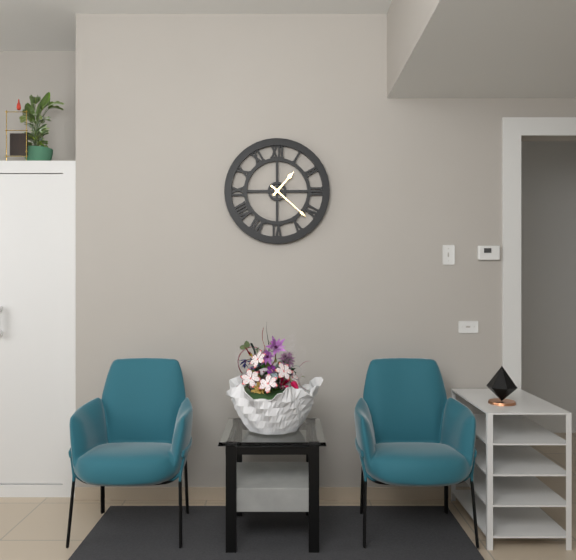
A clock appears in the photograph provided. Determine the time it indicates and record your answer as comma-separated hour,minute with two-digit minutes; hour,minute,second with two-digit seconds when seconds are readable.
1,22
